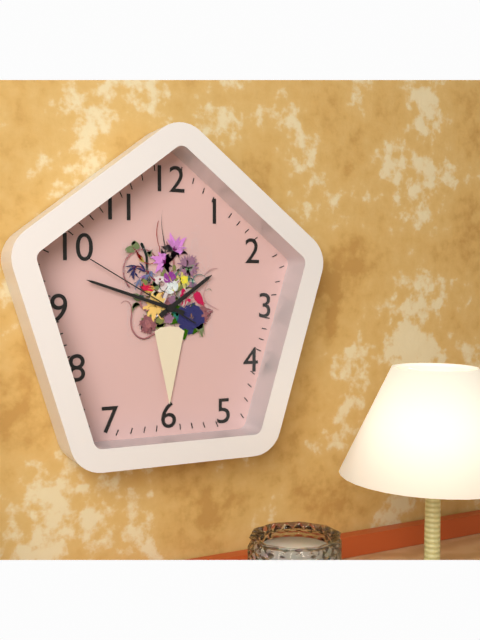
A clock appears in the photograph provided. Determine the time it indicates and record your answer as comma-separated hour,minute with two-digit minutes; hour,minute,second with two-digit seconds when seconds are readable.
1,48,50
